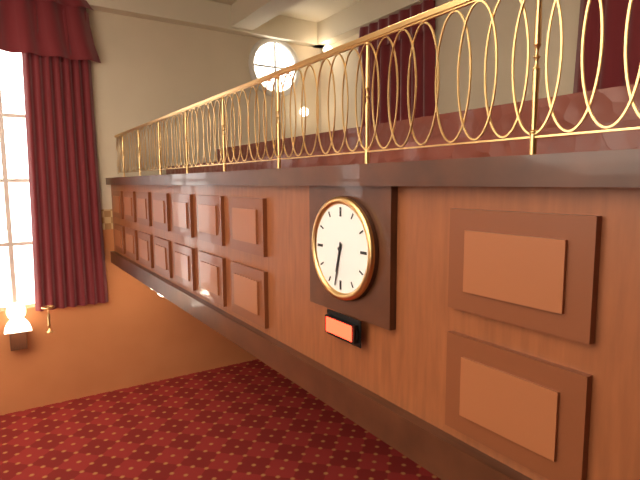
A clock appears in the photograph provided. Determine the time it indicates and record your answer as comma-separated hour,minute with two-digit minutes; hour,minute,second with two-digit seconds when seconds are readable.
6,32
